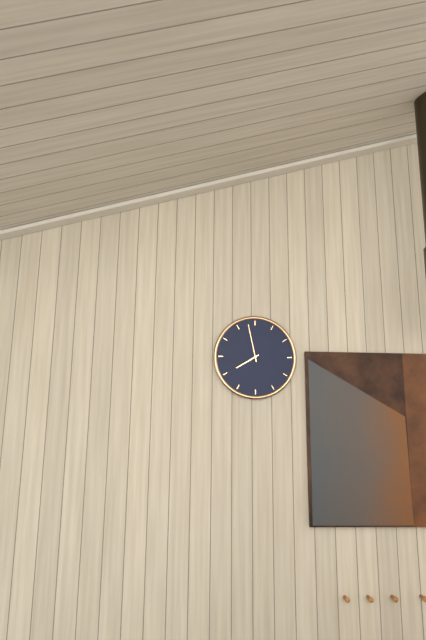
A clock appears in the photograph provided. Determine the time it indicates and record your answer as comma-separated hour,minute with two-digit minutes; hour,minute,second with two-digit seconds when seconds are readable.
7,58
